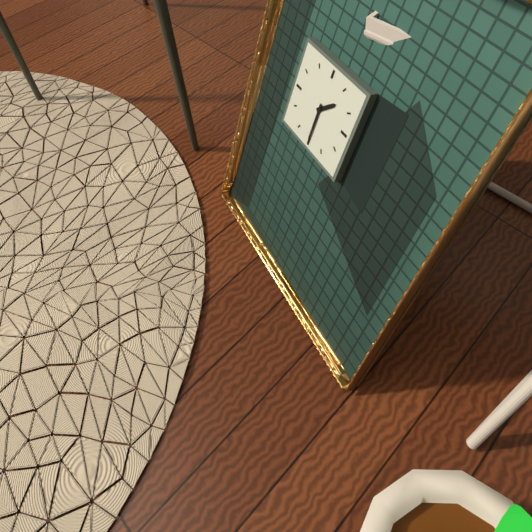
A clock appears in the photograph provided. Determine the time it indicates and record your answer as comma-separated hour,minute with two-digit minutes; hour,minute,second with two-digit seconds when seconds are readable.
1,30
